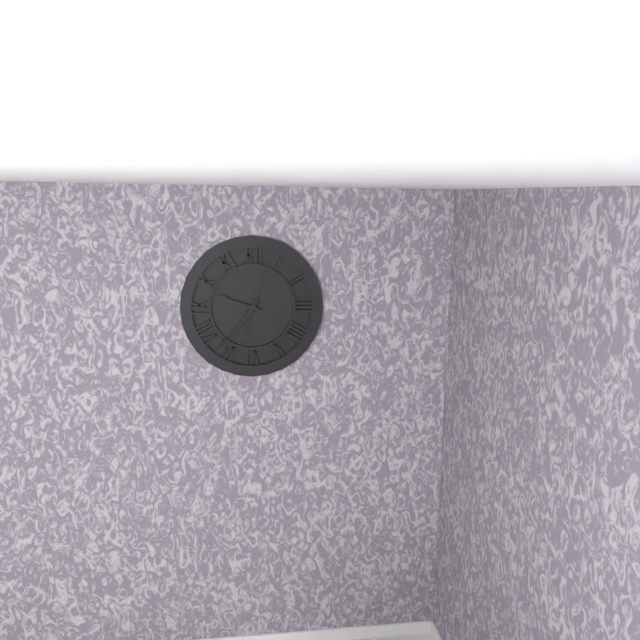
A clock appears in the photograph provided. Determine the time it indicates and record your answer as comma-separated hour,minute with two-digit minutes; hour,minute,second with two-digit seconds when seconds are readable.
9,36,33
